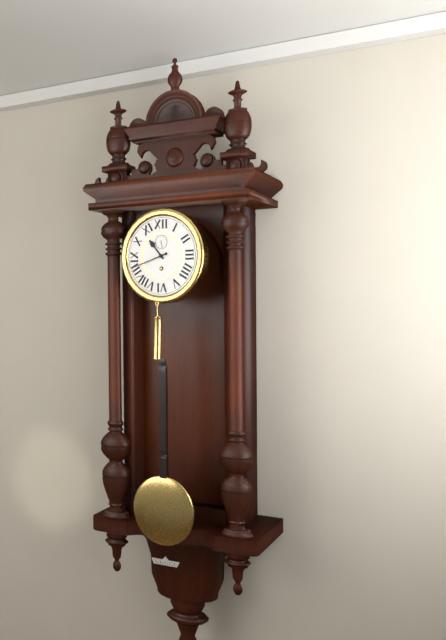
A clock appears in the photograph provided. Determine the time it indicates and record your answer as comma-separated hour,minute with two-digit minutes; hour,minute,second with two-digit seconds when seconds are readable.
10,42
